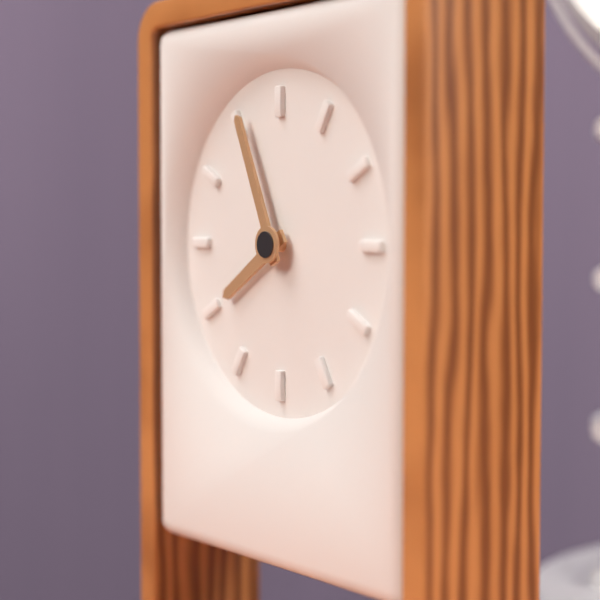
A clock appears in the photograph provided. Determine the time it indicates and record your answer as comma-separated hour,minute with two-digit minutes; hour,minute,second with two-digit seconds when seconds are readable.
7,56
